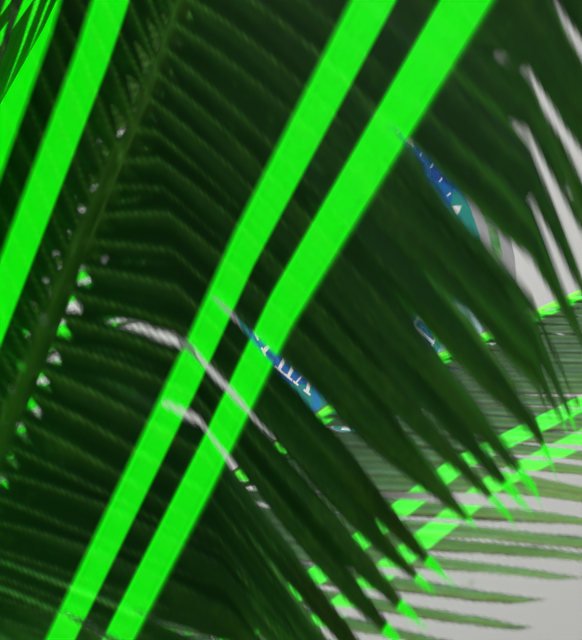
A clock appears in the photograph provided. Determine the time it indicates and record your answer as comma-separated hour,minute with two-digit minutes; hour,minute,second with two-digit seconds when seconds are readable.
4,24,58
